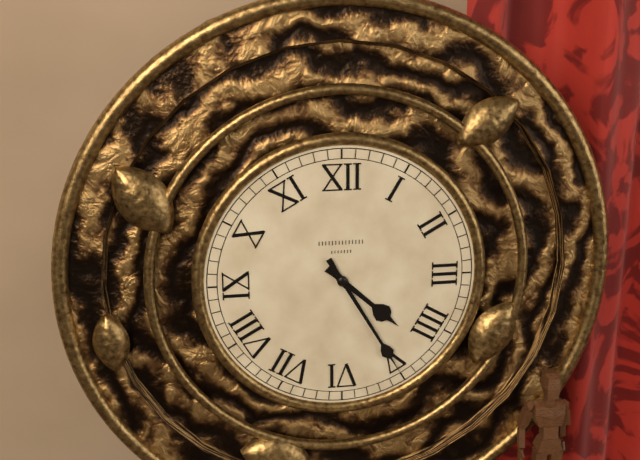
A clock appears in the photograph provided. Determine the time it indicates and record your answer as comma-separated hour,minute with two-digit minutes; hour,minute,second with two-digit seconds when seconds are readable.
4,25
